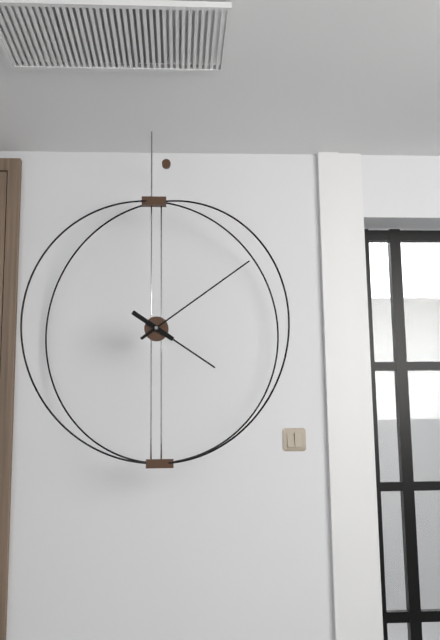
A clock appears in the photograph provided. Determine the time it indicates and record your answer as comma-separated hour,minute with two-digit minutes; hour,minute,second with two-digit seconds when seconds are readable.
4,09
